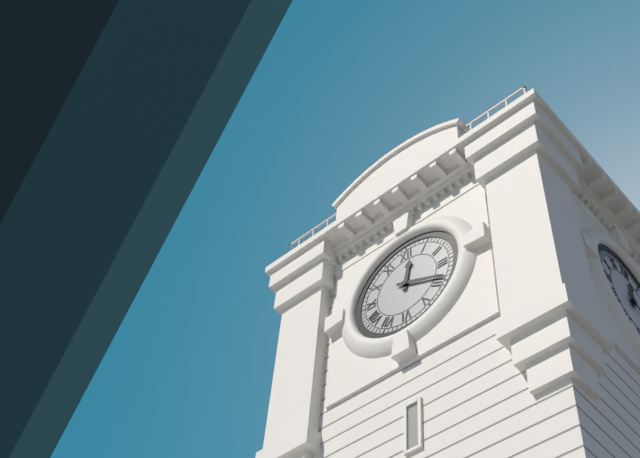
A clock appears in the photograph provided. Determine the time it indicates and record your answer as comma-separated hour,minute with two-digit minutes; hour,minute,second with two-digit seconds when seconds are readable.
12,19
